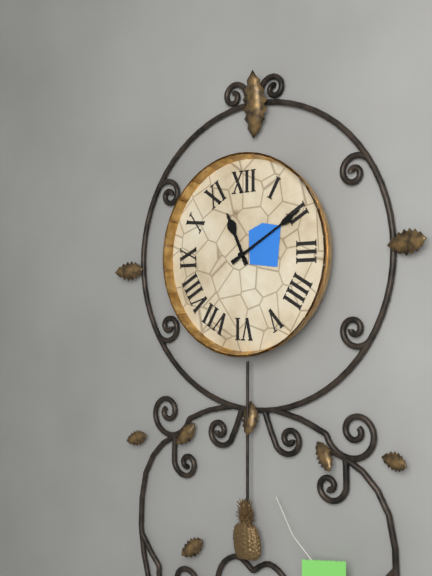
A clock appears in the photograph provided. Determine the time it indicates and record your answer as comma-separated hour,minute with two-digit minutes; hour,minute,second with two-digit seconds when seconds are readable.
11,10
